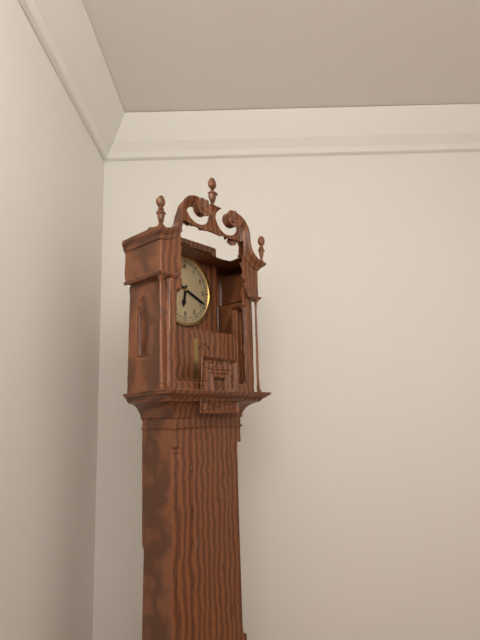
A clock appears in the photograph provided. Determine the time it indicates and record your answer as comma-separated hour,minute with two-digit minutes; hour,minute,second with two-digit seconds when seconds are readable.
6,19
